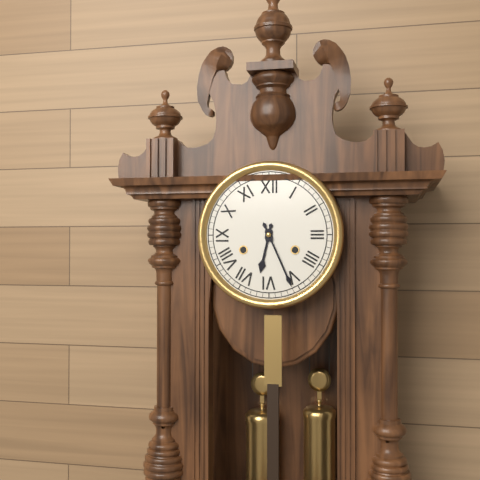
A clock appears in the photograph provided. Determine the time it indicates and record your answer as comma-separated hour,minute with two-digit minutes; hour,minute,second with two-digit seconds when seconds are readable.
6,26
